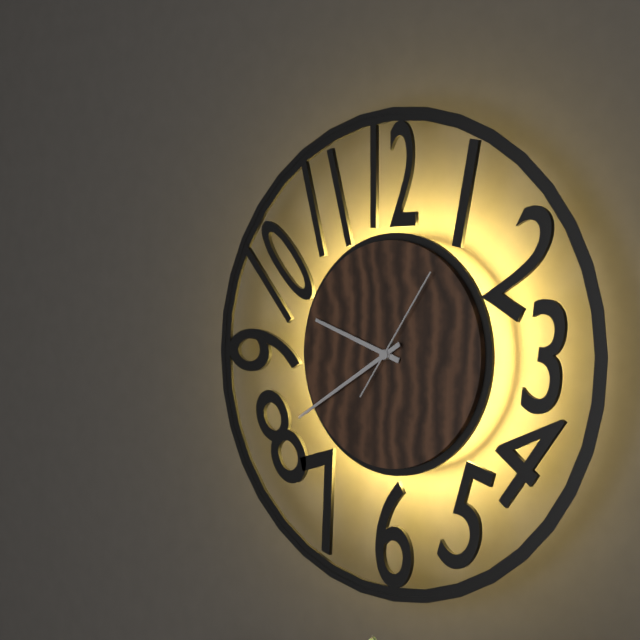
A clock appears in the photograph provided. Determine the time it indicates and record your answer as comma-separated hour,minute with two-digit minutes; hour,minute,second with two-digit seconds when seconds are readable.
9,40,06
